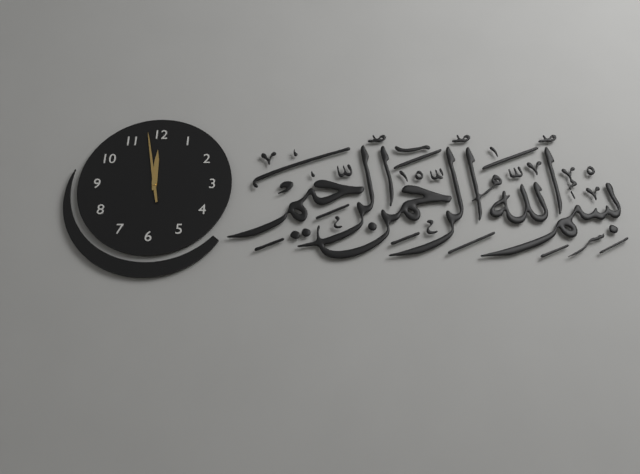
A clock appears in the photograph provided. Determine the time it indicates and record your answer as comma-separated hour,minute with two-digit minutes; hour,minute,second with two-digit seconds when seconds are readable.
11,58
